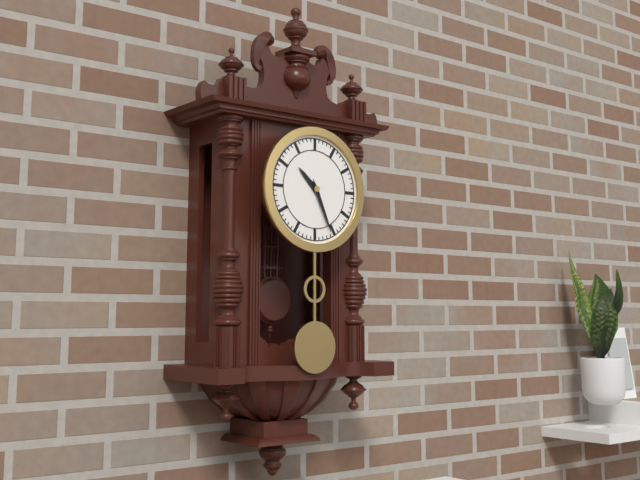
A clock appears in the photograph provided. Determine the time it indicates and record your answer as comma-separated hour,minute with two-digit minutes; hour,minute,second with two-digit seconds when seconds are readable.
10,26
